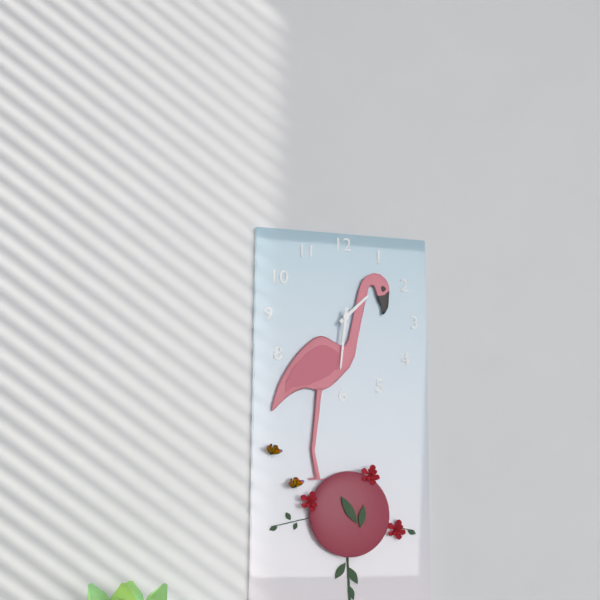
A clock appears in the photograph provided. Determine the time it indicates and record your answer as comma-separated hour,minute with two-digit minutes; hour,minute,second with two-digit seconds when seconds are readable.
1,31
